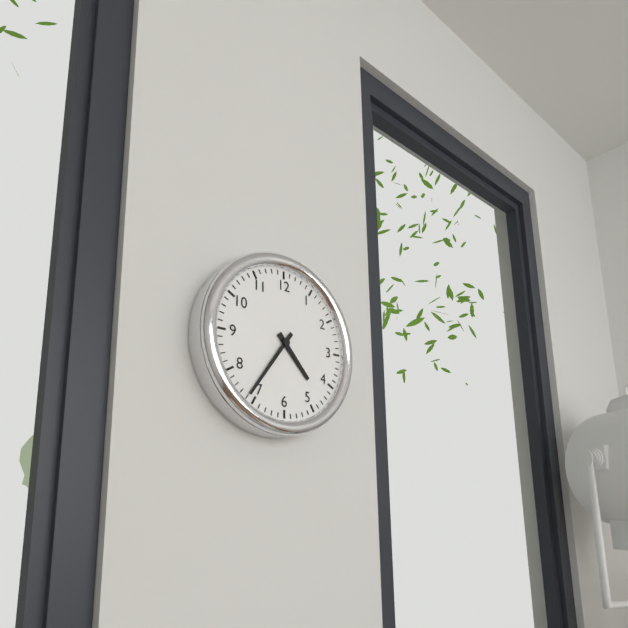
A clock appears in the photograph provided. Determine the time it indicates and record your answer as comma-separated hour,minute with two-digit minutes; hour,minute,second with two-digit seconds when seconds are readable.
4,36
